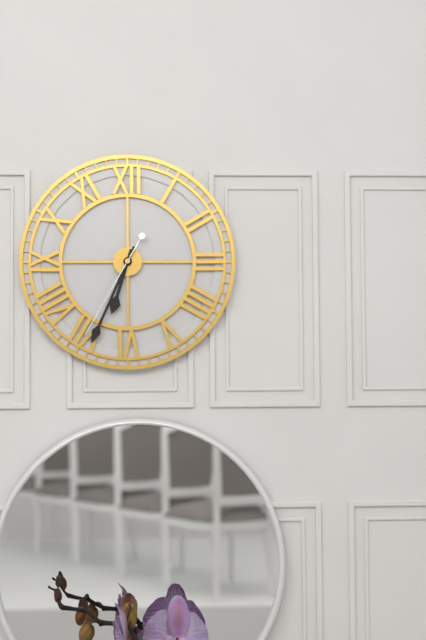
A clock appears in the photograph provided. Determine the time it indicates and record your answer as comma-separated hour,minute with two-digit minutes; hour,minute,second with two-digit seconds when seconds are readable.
6,34,35
